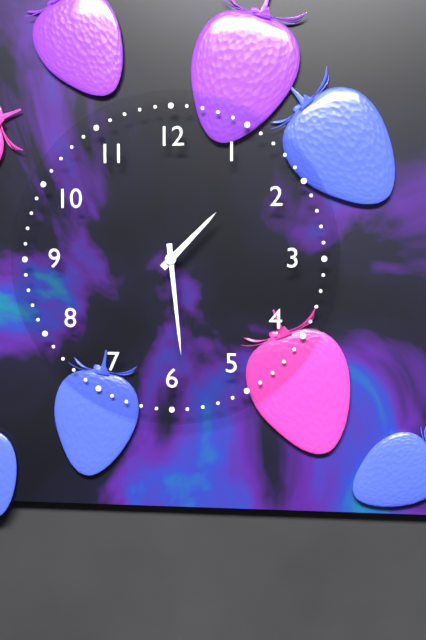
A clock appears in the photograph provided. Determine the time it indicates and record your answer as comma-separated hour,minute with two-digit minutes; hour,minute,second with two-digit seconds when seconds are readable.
1,29
